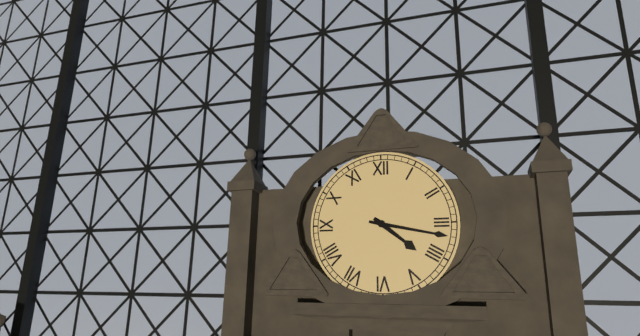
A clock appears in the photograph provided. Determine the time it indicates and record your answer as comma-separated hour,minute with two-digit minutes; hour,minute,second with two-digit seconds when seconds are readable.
4,17
